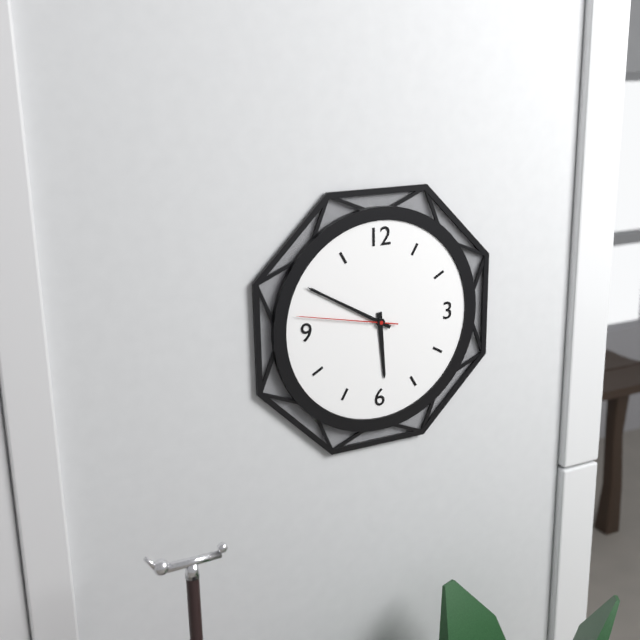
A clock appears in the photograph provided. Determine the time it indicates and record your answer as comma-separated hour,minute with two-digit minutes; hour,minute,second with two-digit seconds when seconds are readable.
5,50,47
